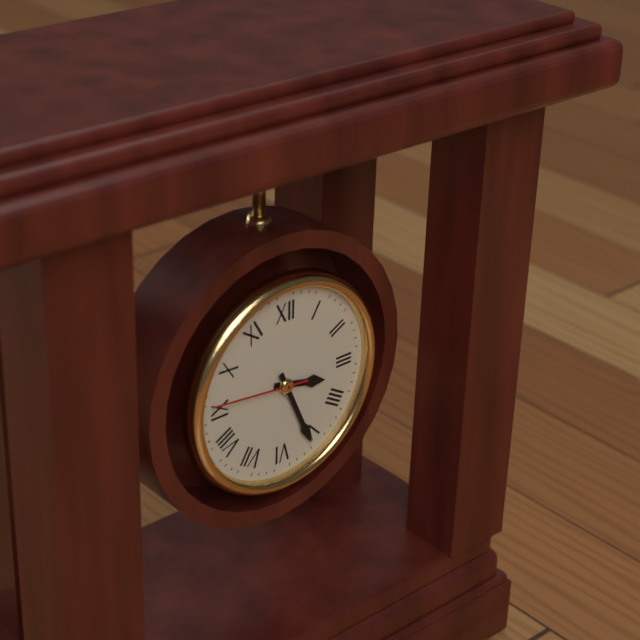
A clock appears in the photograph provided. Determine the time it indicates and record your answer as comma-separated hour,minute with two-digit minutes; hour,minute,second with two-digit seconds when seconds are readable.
3,26,46
